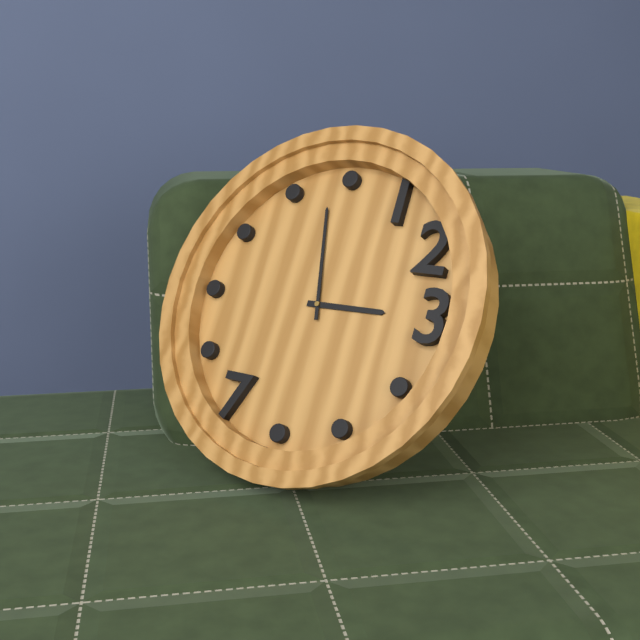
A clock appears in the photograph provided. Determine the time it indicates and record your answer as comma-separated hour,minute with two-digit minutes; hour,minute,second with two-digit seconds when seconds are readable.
2,58
